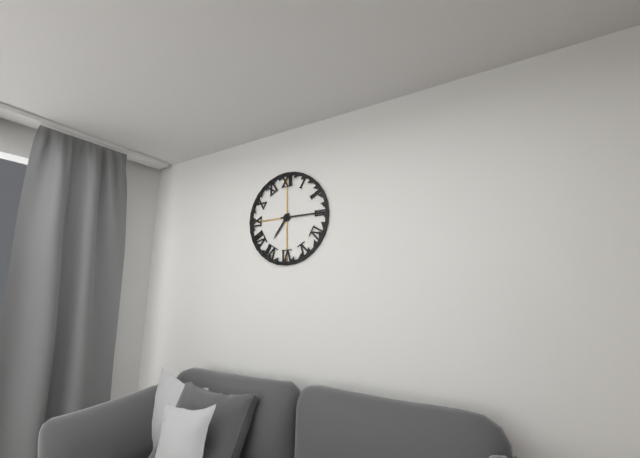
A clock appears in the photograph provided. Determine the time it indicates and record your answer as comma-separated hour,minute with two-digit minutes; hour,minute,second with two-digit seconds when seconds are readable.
7,15
